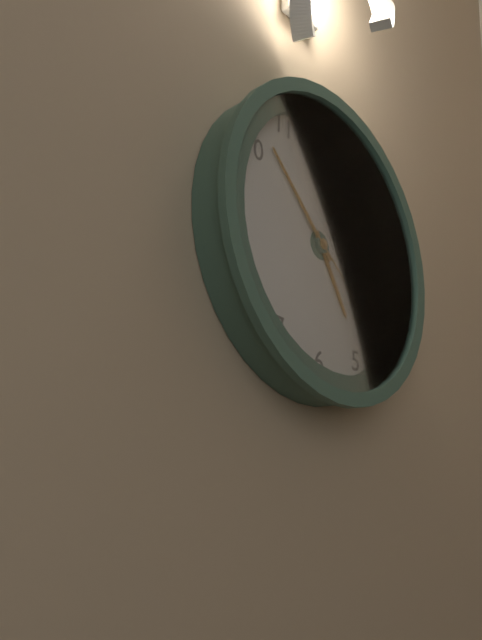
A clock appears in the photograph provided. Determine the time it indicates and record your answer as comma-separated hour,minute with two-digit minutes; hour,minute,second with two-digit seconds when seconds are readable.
4,52,21
